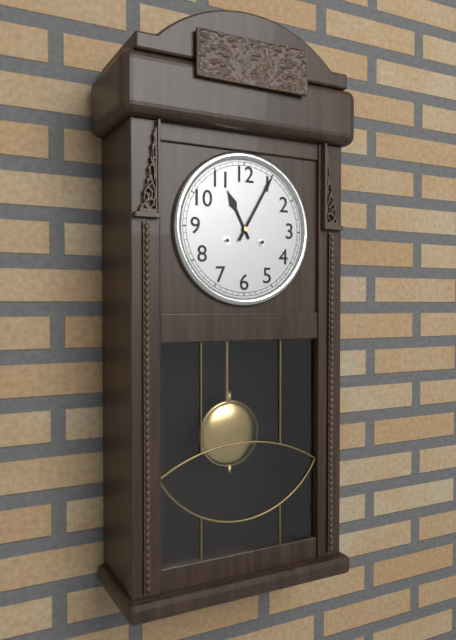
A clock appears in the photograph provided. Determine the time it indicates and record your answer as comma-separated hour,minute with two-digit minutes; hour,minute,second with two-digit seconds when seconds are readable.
11,05
